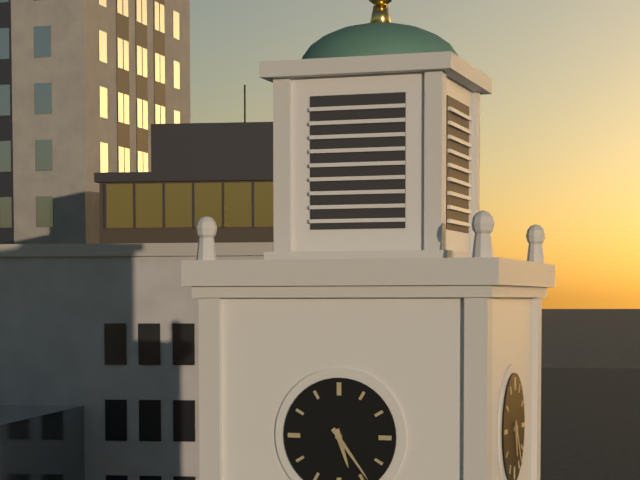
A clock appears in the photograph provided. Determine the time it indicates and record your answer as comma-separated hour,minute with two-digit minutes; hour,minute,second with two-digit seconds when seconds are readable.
5,24
